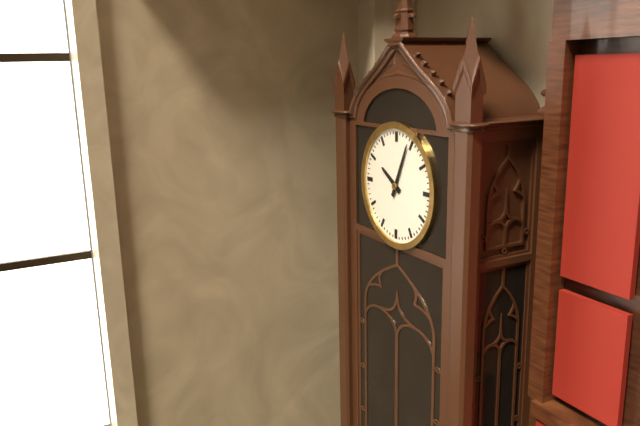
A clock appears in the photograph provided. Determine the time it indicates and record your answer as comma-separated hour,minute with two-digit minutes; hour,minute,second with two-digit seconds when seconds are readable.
10,04
